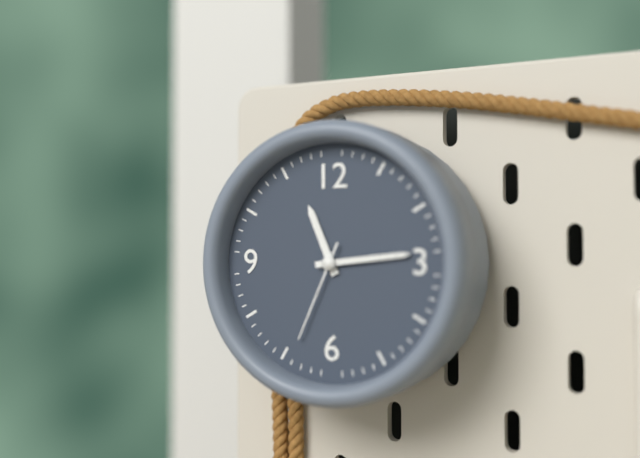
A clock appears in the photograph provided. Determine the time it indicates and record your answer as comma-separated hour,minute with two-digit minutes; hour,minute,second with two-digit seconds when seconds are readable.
11,14,34
